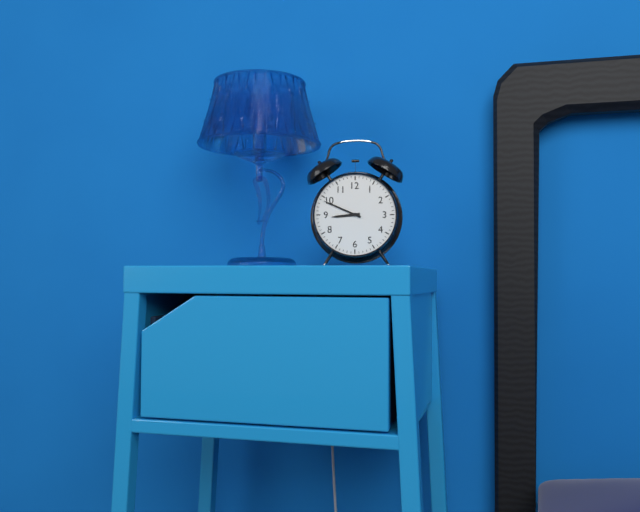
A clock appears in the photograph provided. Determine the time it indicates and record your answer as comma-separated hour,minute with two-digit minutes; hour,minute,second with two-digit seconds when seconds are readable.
8,49
